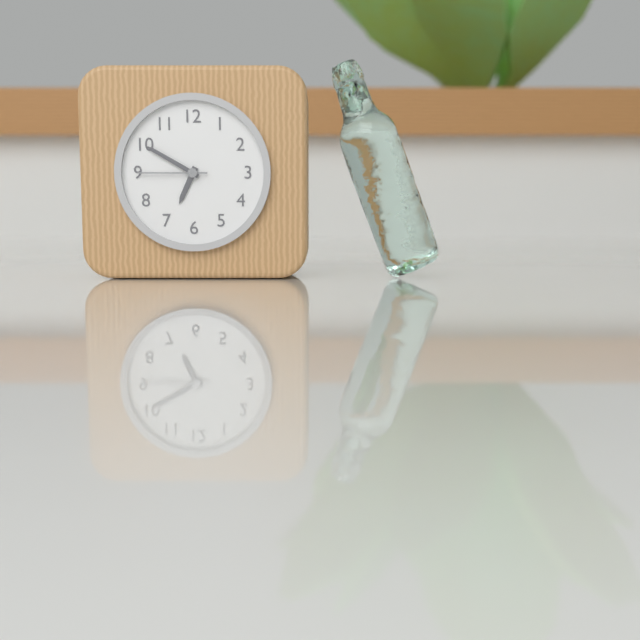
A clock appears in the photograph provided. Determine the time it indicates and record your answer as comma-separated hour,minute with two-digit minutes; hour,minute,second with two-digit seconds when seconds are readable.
6,50,45
